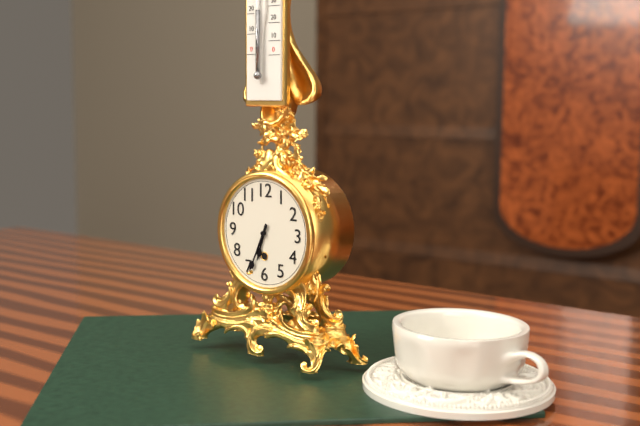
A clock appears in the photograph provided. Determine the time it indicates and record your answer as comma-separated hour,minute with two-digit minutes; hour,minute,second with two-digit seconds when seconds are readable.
6,34
